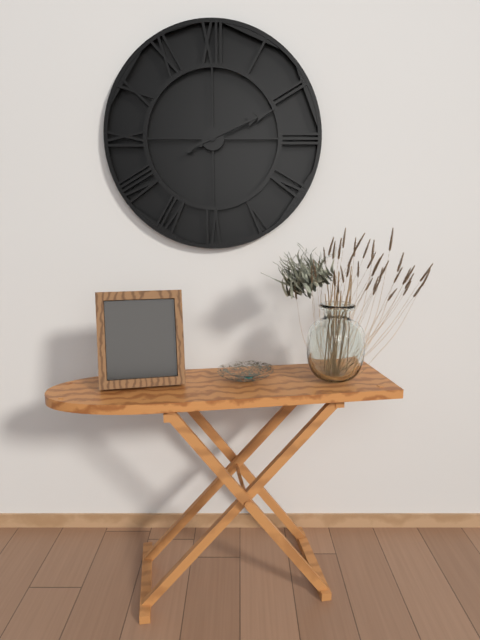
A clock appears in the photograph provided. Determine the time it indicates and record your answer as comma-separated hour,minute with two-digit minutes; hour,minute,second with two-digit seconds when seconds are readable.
2,11
